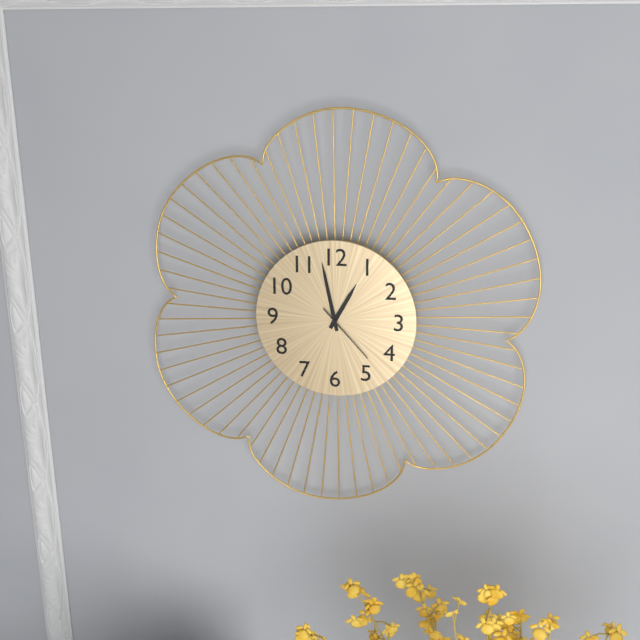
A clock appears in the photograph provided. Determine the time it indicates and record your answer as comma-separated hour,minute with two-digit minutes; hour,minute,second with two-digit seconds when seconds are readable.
12,58,23
